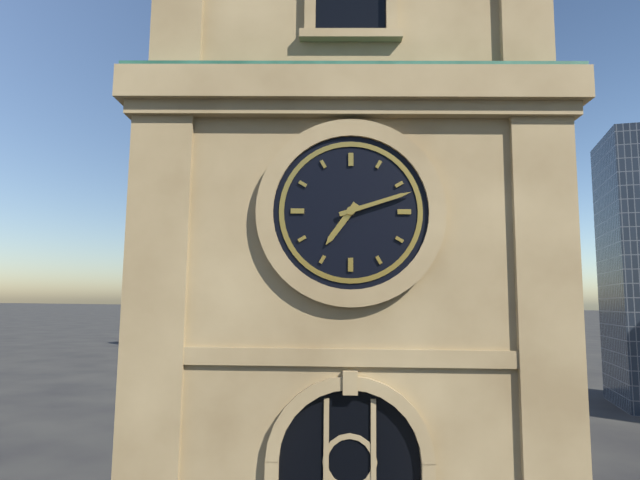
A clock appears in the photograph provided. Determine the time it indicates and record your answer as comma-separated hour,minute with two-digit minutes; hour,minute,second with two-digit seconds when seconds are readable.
7,12
